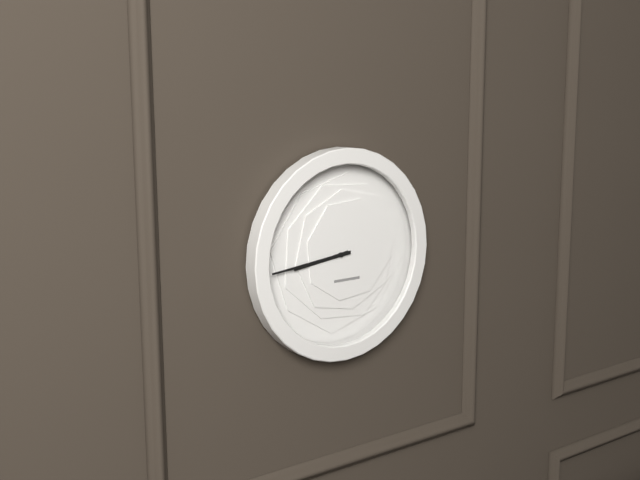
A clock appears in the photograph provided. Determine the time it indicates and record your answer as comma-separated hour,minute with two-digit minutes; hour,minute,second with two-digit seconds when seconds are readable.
8,44
